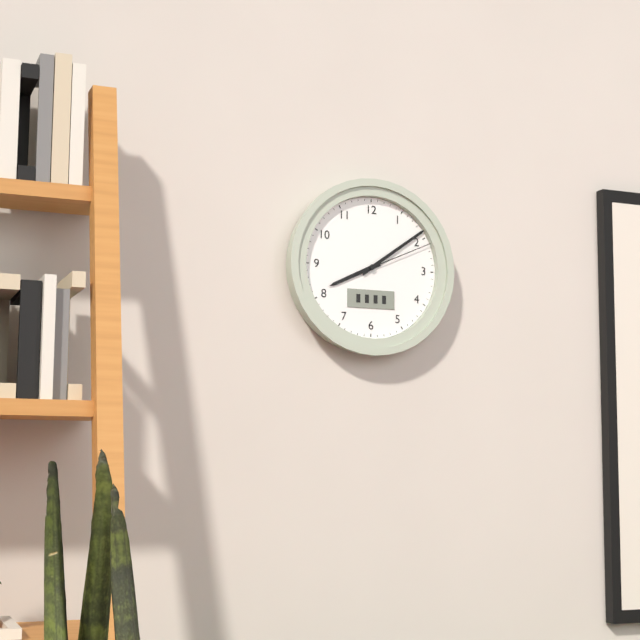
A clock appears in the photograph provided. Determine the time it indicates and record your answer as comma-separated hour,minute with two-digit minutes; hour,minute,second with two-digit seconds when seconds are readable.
8,09,11
